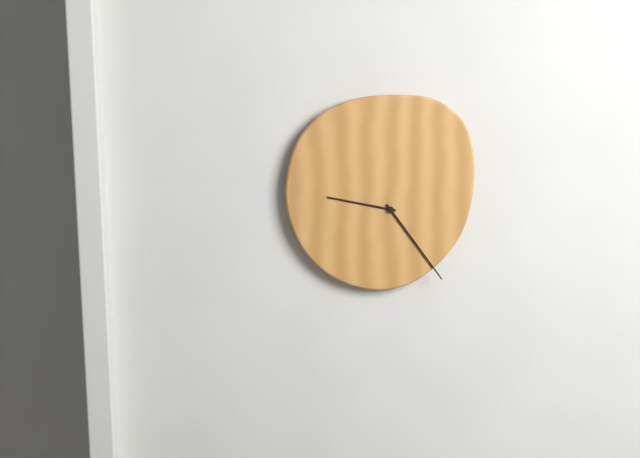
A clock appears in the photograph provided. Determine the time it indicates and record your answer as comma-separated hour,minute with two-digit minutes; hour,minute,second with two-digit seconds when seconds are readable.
9,24
